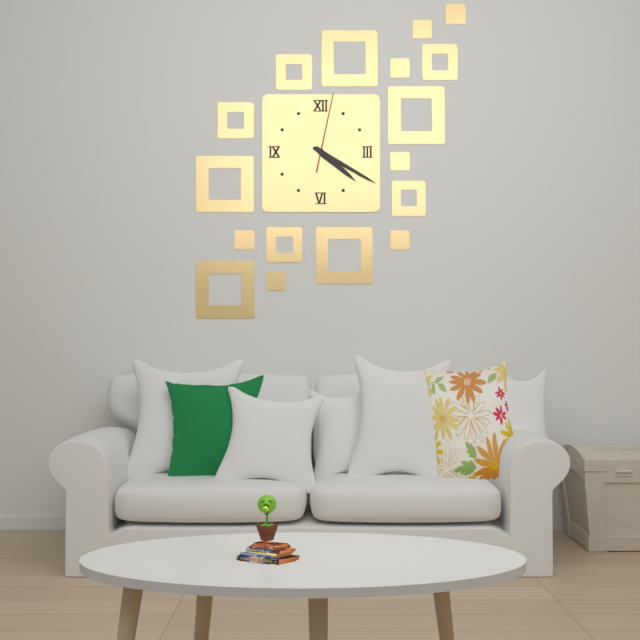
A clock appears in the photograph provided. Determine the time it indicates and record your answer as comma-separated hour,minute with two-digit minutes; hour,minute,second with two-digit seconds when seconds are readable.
4,20,02
